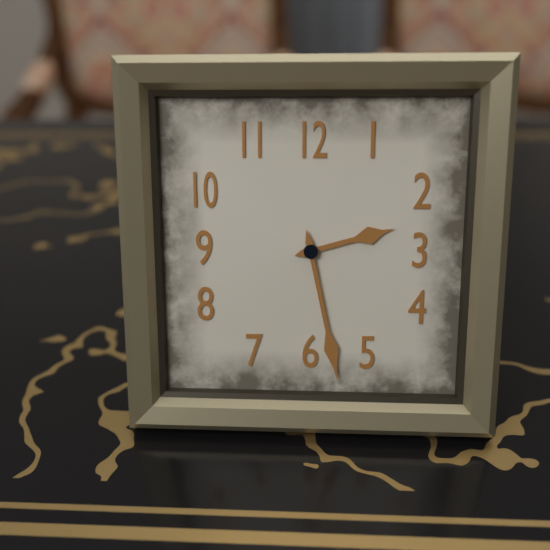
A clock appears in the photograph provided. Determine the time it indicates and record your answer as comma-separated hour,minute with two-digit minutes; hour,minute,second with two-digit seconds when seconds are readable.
2,28
